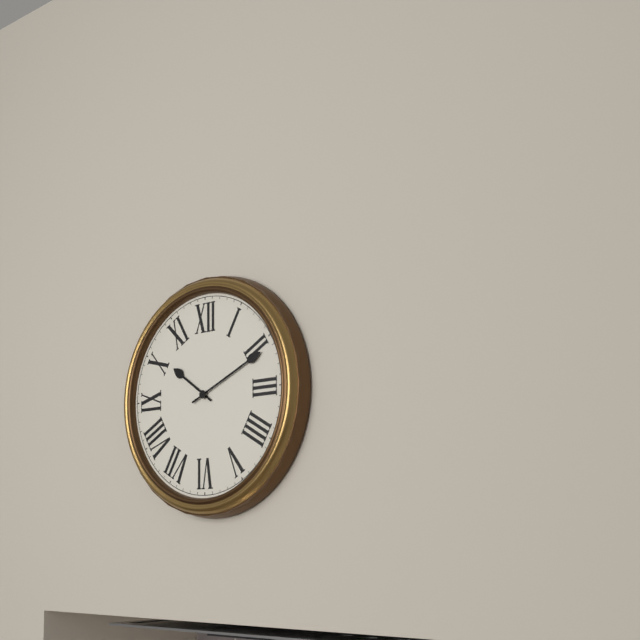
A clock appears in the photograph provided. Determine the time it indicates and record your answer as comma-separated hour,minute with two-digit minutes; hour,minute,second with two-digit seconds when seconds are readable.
10,11
